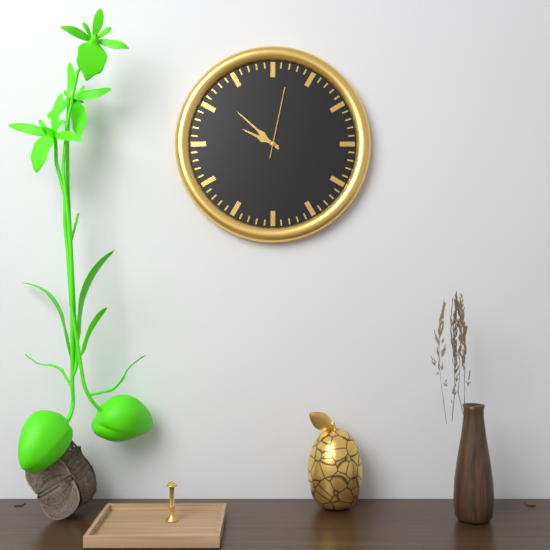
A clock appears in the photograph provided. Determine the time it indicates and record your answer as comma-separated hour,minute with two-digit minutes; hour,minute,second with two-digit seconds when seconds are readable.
9,52,02
